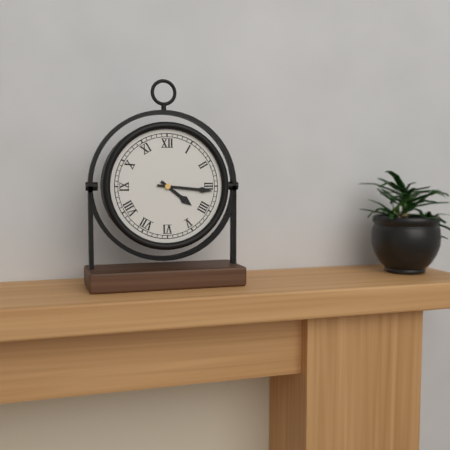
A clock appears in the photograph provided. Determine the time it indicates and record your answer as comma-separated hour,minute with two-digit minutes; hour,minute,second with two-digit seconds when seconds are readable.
4,16
